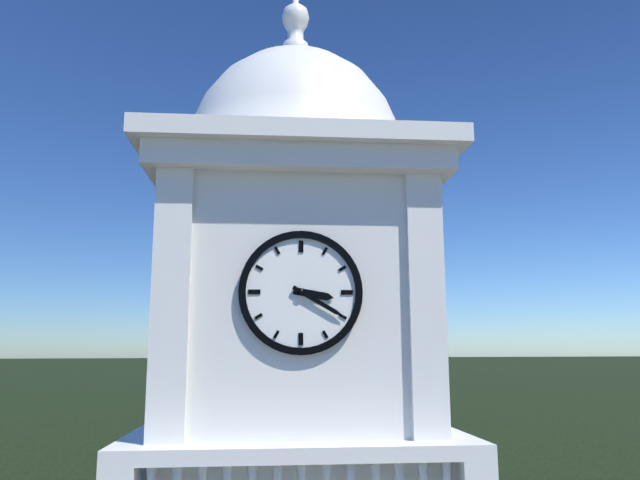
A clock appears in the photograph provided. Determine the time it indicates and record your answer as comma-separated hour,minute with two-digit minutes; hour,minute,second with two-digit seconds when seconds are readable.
3,20
